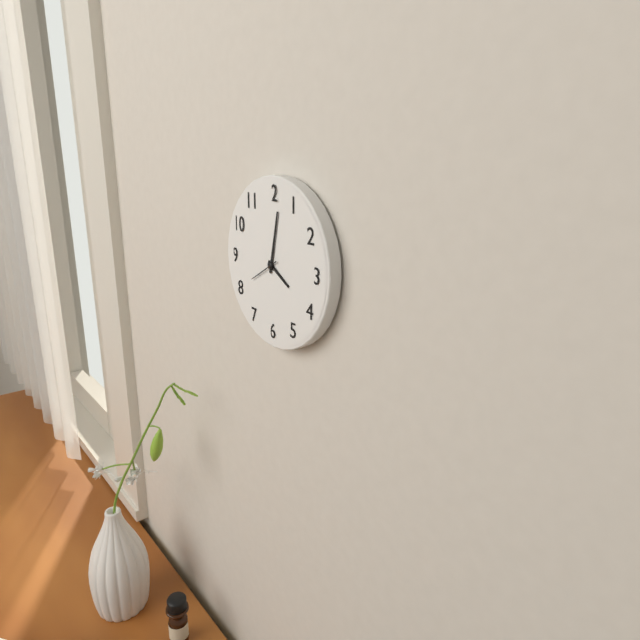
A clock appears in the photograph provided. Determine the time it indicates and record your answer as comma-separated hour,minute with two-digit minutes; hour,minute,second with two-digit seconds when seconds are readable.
4,02
